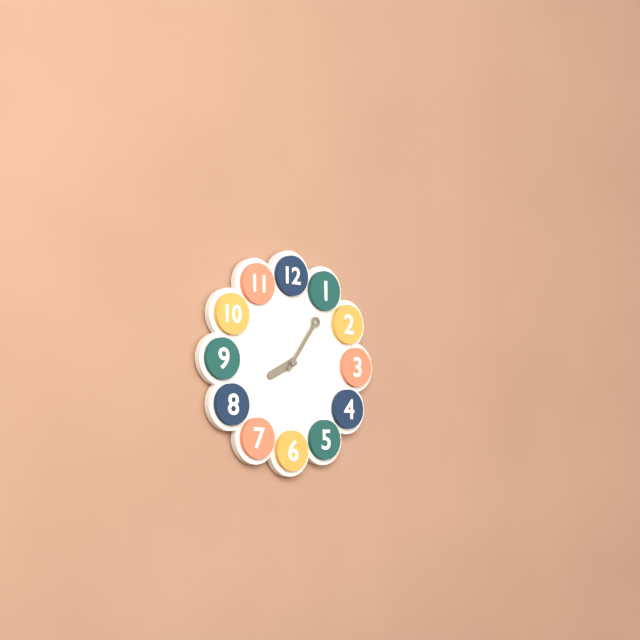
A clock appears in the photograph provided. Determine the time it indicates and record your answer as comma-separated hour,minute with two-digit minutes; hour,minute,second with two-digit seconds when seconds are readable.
8,06
